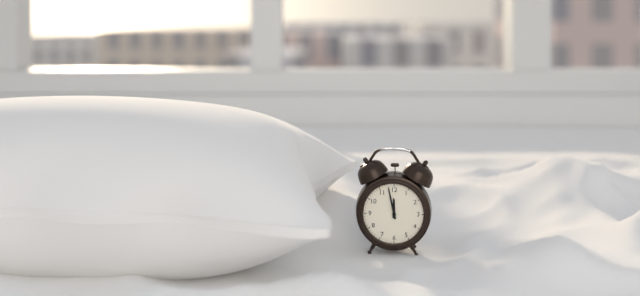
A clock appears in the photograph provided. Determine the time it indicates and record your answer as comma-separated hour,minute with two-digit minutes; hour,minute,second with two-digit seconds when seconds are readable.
11,58
